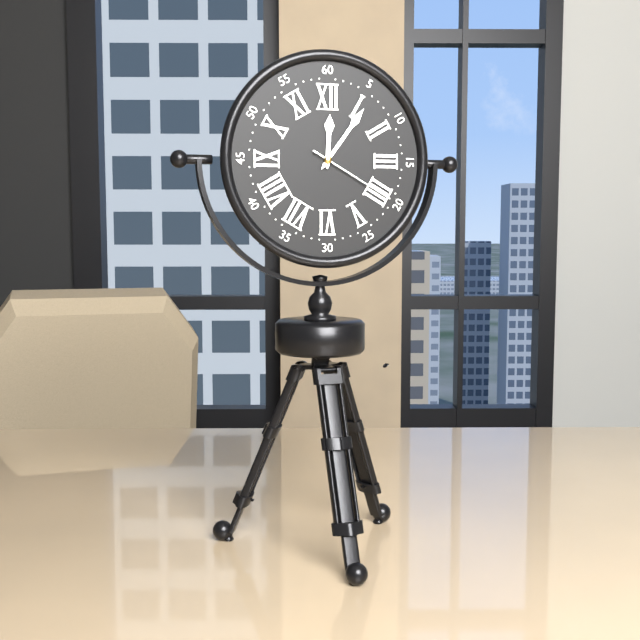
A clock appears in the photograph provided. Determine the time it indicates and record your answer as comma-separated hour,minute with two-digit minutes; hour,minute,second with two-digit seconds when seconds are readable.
12,06,20
